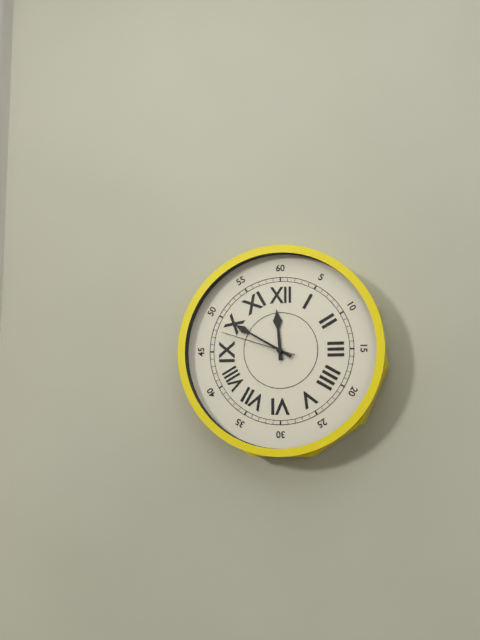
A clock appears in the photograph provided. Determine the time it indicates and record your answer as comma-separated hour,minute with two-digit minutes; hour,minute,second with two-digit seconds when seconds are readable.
11,50,48
